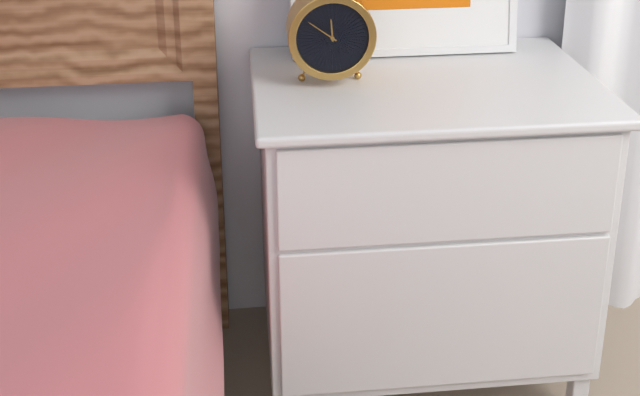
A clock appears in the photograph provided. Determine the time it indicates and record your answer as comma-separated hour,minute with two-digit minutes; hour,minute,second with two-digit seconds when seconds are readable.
11,51
